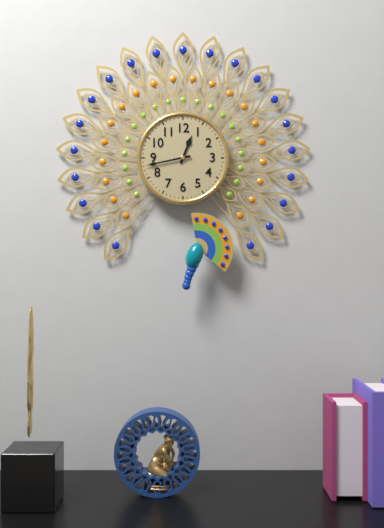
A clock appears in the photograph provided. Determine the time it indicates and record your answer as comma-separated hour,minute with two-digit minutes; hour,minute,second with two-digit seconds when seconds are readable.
12,43
